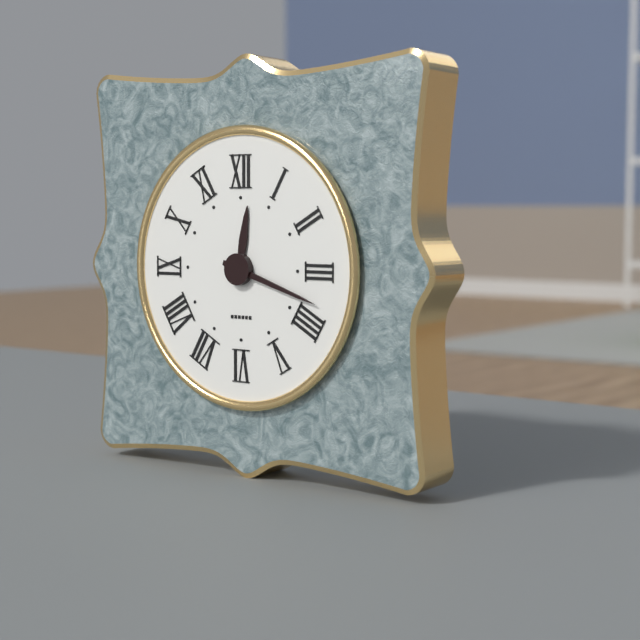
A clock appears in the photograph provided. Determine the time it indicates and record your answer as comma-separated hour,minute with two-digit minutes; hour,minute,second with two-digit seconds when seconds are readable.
12,18
